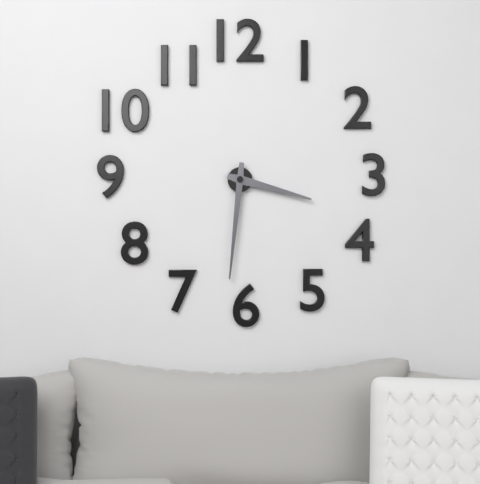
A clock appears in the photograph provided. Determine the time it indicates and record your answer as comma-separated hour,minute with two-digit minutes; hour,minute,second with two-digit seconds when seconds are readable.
3,31
